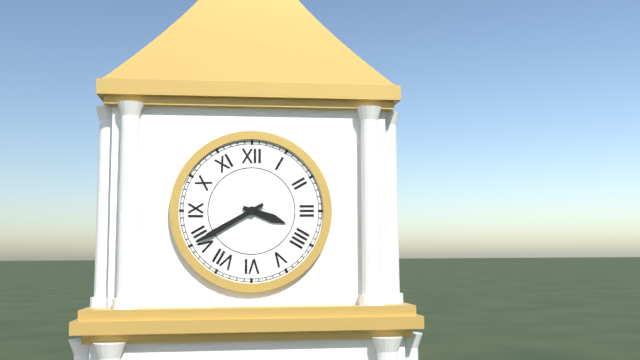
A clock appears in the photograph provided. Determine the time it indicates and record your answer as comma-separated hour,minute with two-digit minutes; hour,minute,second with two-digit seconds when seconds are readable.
3,40
